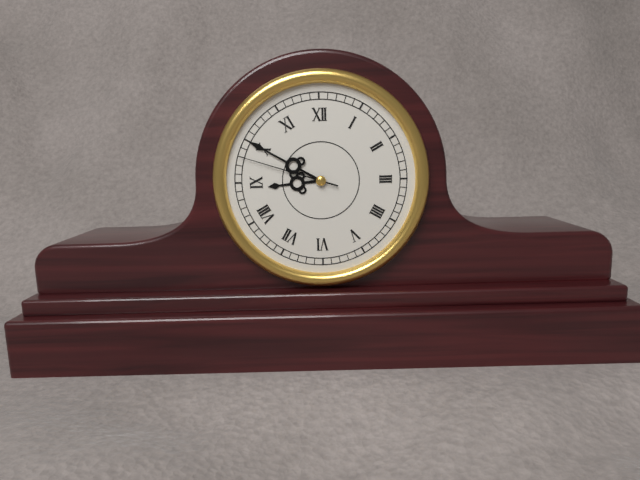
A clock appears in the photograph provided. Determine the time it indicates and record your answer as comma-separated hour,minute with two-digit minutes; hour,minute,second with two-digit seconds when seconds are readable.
8,50,48
